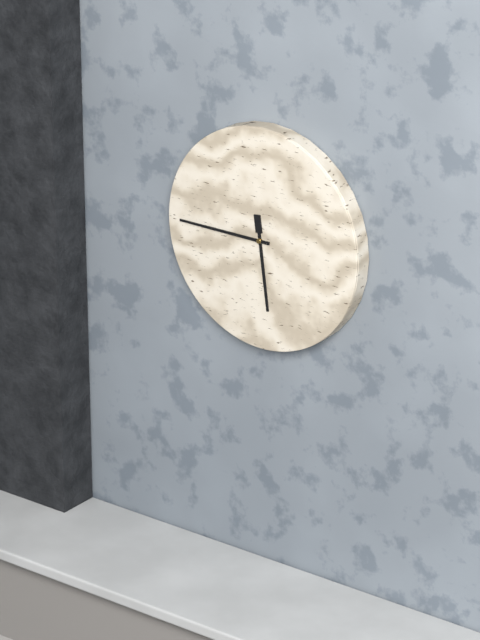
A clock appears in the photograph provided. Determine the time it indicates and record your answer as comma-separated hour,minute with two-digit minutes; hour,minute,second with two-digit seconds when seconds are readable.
5,45
